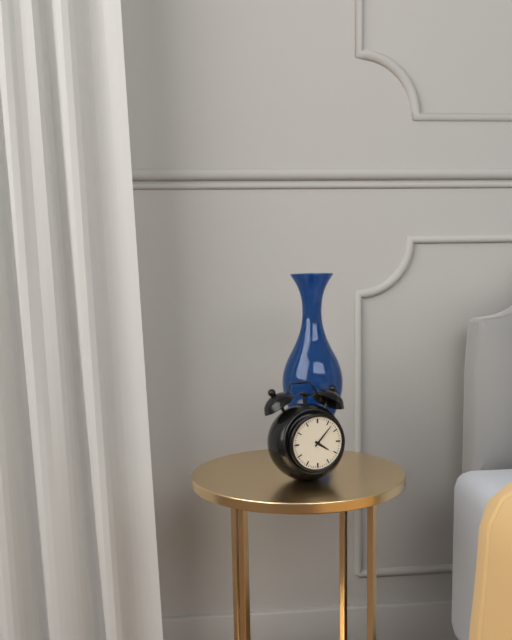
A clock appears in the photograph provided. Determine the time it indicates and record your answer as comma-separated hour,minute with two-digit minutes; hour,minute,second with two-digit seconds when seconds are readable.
4,07
